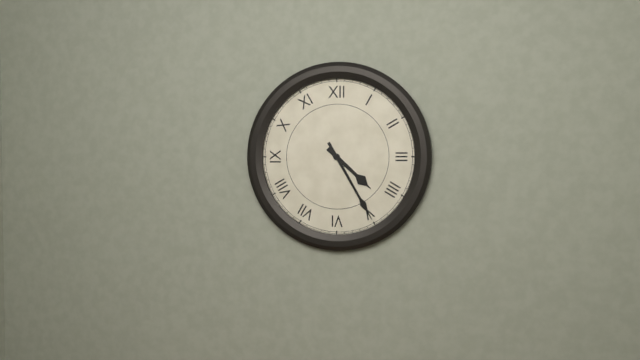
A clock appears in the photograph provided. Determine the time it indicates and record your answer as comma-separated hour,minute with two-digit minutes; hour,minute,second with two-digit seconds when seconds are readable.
4,25
